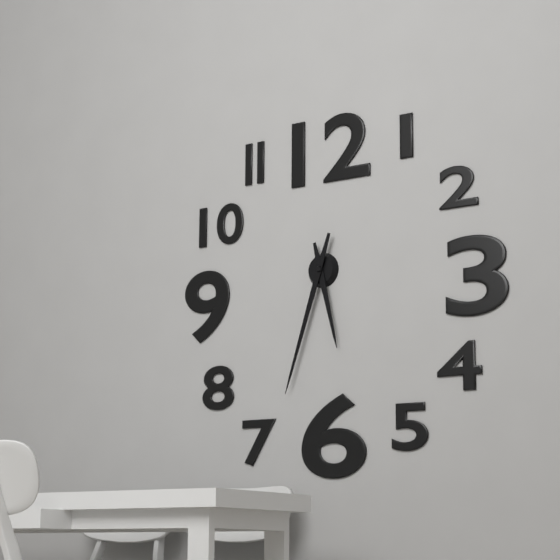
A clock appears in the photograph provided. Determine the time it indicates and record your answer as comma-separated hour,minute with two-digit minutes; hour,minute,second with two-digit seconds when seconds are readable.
5,33
